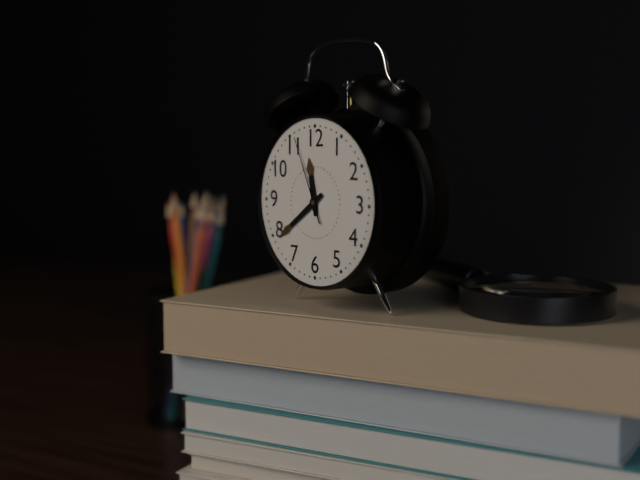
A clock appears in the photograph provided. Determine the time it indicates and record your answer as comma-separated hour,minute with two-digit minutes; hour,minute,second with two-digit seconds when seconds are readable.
11,39,56
